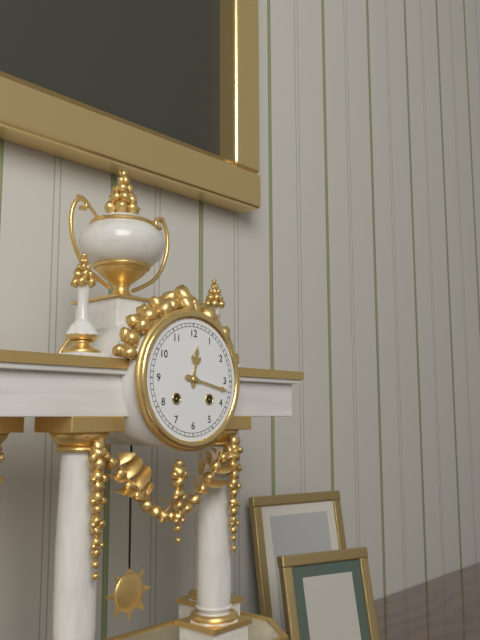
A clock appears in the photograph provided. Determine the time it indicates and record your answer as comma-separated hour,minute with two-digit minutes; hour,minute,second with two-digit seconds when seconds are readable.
12,17
